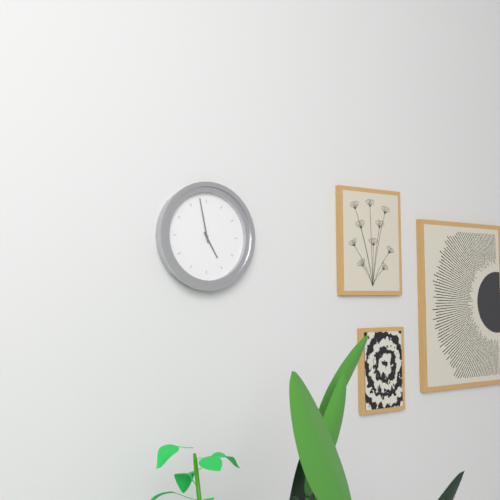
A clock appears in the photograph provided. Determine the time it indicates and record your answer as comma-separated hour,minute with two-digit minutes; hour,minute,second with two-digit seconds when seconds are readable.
4,58
